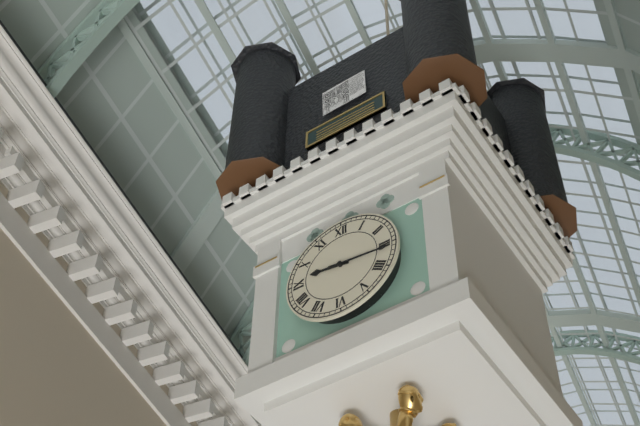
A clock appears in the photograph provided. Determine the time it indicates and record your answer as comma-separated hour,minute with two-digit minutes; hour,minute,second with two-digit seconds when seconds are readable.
9,16
